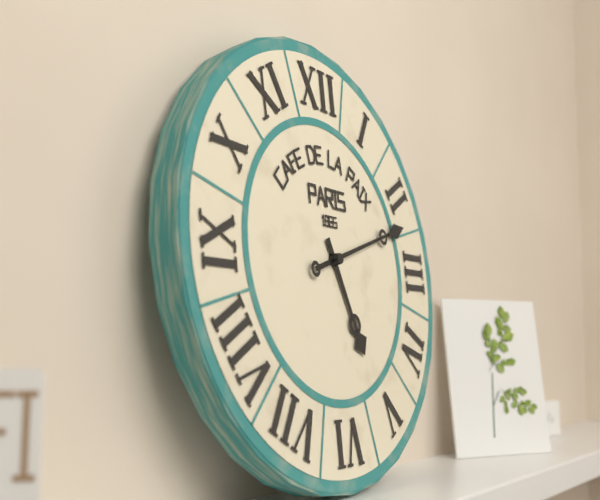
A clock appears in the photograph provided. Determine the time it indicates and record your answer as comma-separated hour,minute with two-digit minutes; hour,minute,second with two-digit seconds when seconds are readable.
5,12
